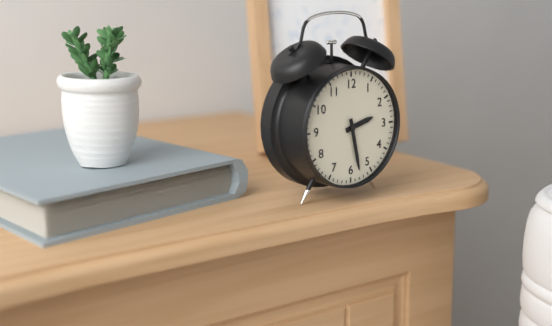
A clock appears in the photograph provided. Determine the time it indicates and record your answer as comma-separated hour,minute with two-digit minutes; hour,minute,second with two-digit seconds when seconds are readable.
2,28
